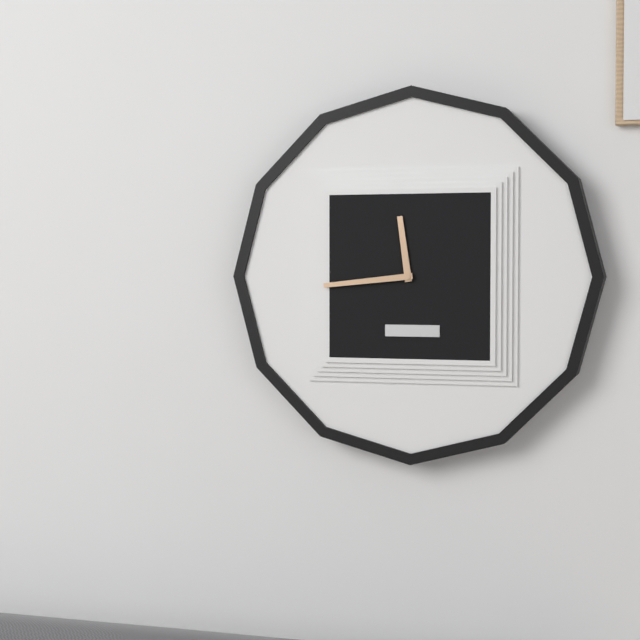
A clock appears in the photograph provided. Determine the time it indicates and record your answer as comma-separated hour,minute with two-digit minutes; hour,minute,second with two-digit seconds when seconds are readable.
11,44
